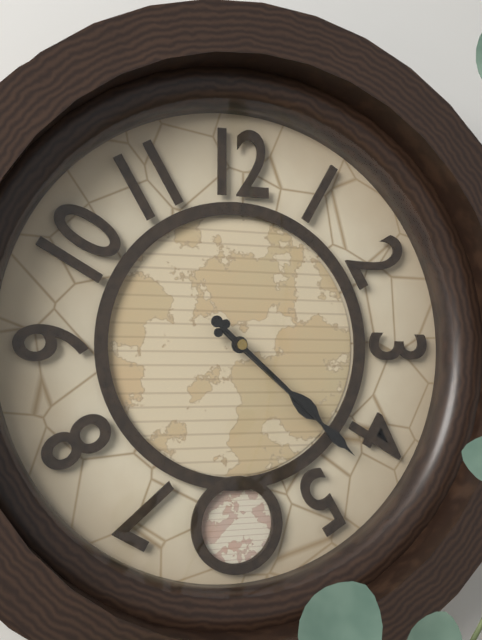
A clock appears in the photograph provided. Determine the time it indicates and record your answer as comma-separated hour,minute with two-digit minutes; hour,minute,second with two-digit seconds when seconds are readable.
4,22
